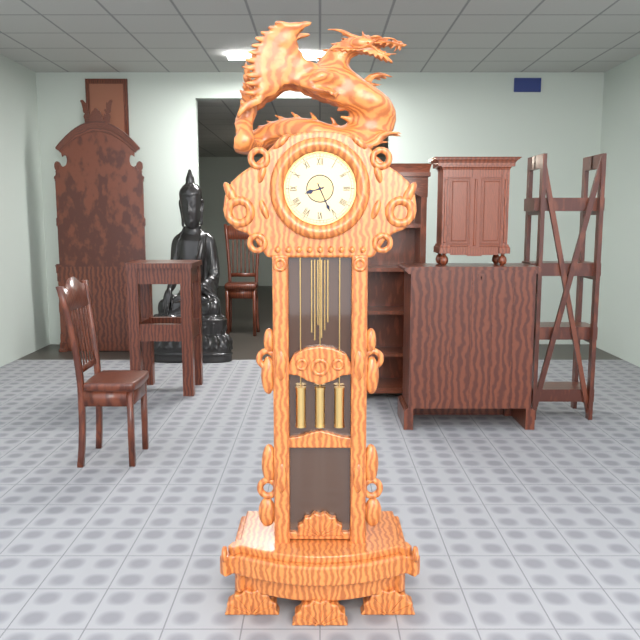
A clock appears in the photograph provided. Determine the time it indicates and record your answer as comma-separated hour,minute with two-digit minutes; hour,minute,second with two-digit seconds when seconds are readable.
8,26
